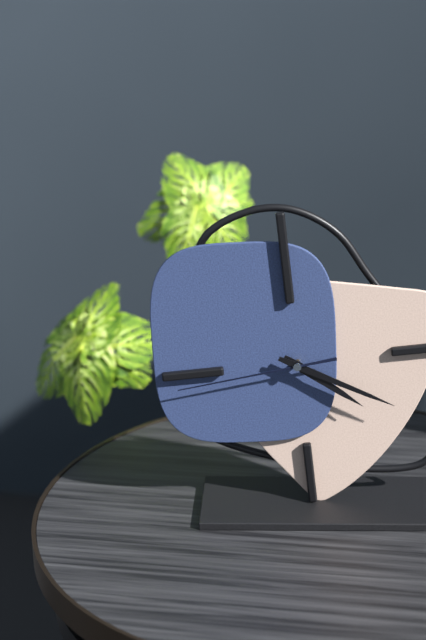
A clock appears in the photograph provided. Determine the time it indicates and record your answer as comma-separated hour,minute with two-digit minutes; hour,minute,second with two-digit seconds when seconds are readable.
4,20,44
